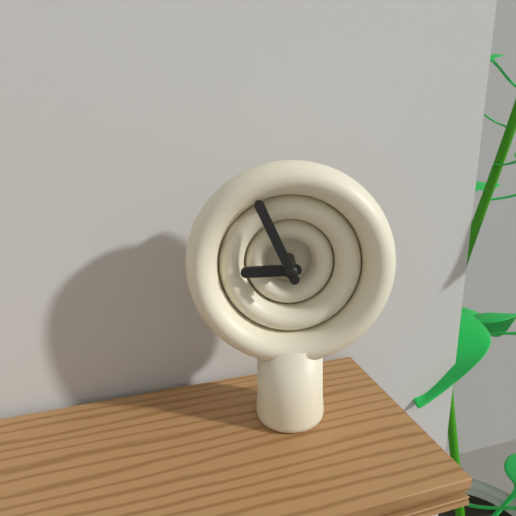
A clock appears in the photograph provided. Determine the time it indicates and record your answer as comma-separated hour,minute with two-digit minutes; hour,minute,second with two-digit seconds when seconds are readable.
8,56
